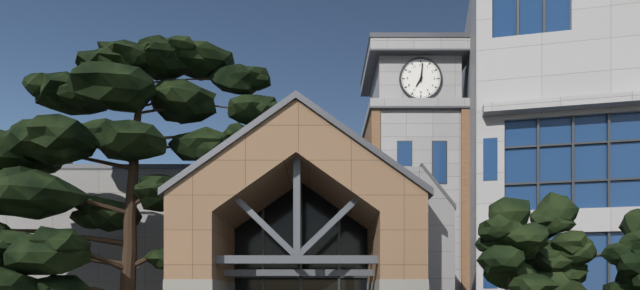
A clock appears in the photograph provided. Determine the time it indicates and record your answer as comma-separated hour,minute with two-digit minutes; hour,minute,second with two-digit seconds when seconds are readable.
7,01
